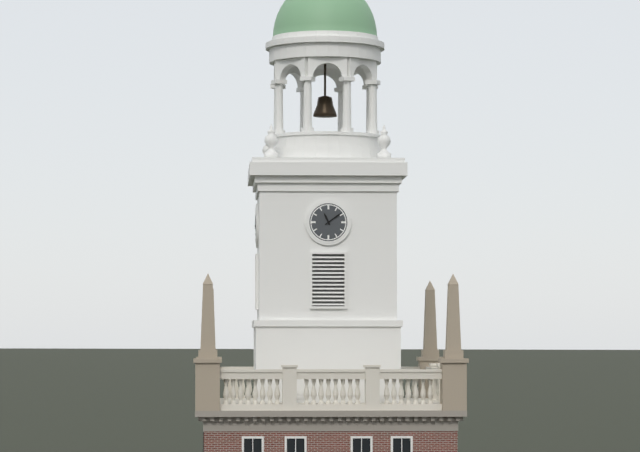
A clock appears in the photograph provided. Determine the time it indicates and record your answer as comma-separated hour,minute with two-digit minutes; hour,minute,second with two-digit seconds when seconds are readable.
11,09
